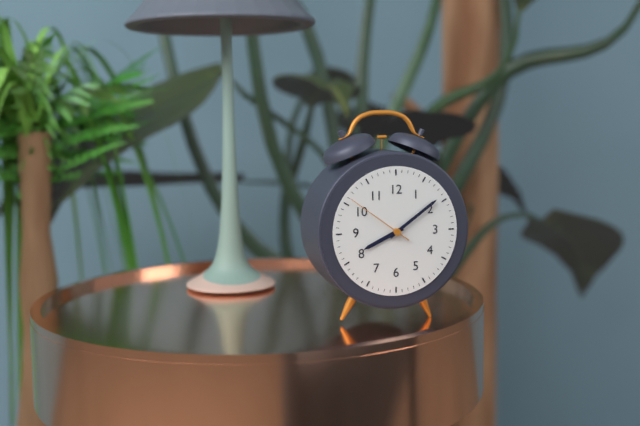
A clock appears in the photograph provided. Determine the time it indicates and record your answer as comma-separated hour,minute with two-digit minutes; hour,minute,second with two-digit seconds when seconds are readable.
8,09,51
